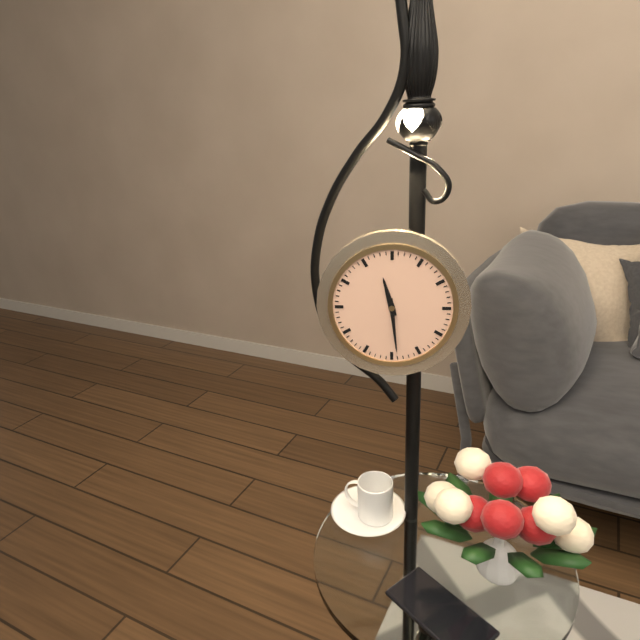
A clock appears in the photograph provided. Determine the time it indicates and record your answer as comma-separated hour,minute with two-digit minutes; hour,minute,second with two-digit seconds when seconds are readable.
11,29
